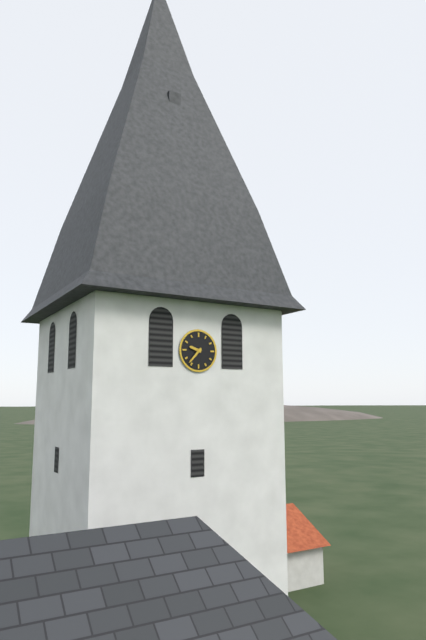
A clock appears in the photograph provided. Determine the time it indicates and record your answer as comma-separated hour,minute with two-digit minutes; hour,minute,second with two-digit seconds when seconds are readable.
9,37
